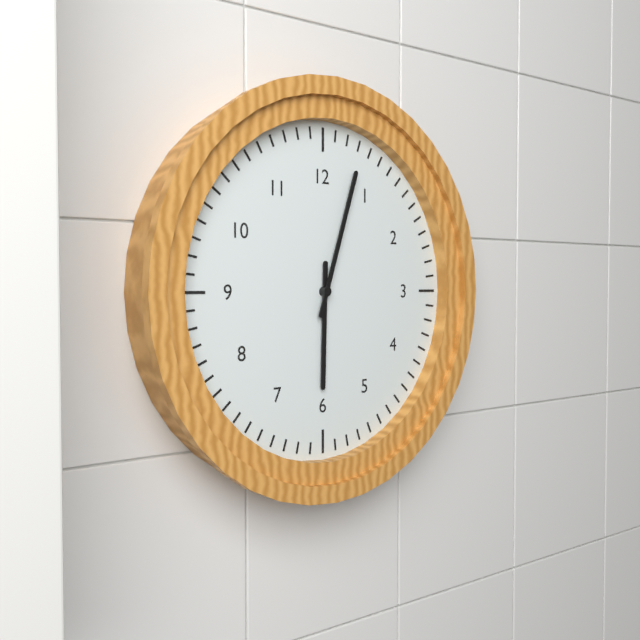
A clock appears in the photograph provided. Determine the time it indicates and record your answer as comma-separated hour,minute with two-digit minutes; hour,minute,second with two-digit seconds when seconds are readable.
6,03
